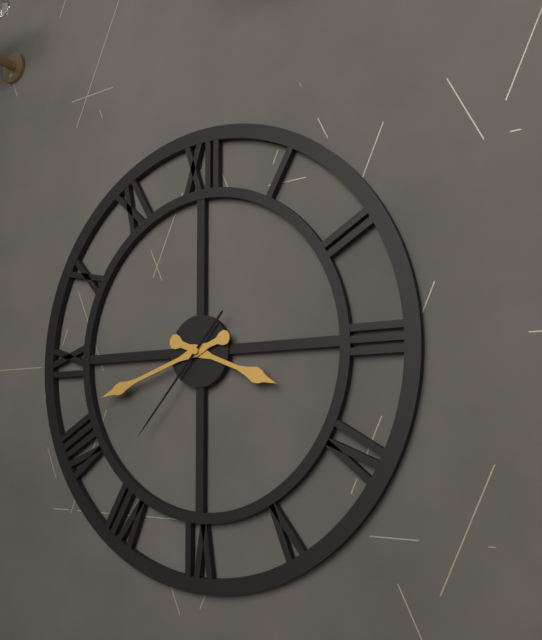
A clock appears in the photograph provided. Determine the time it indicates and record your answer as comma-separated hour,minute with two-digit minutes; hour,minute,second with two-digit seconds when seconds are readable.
3,42,37
